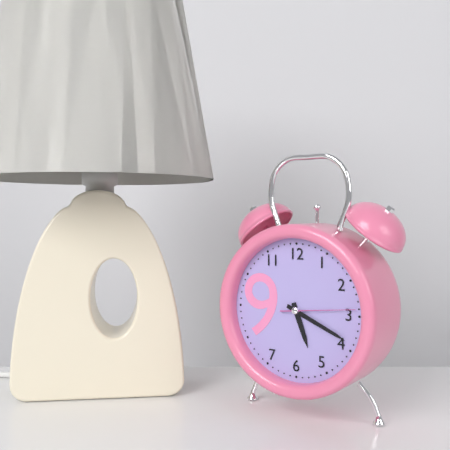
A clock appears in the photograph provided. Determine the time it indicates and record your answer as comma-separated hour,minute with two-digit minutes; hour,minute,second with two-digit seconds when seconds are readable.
5,19,14
